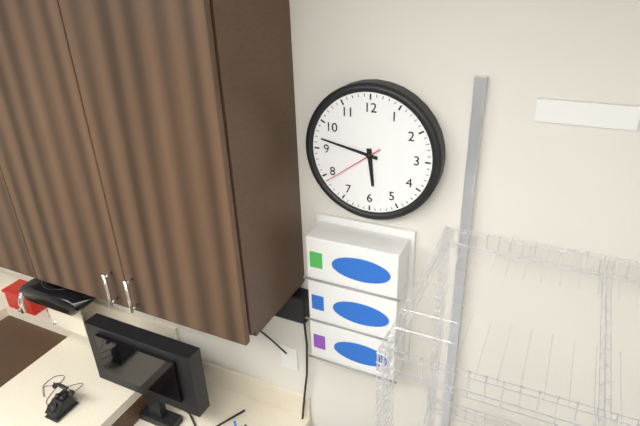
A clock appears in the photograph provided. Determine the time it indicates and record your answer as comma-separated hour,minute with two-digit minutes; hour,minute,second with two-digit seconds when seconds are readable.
5,47,39
